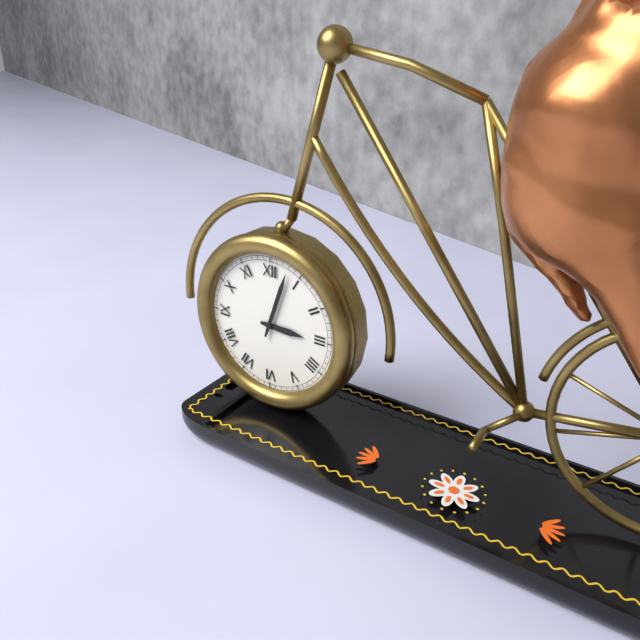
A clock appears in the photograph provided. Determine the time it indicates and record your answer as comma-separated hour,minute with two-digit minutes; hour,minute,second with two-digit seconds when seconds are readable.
3,03
